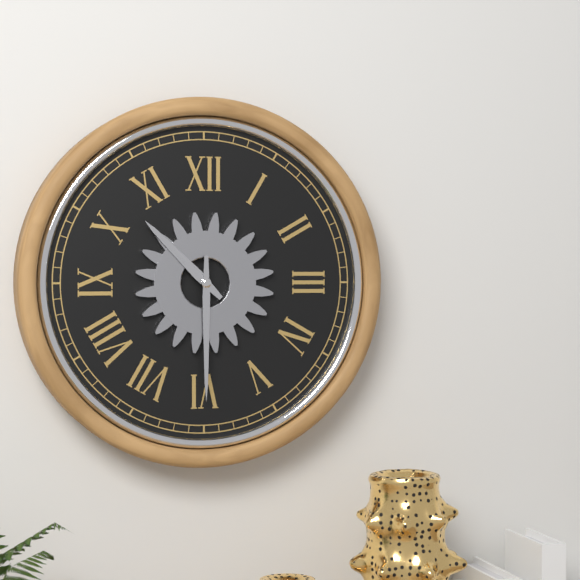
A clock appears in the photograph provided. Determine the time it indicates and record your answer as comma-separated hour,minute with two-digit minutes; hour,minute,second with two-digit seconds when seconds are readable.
10,30
